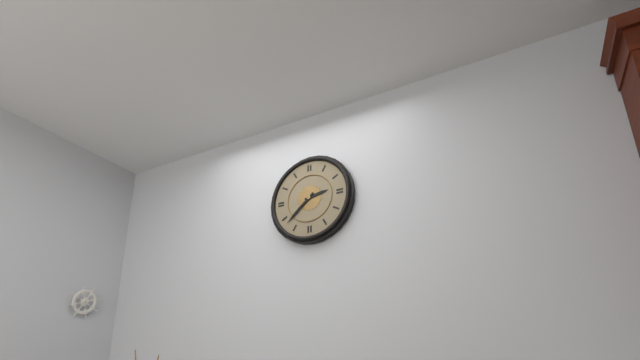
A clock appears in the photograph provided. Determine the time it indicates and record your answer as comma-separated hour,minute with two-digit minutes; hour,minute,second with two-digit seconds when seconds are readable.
2,38
